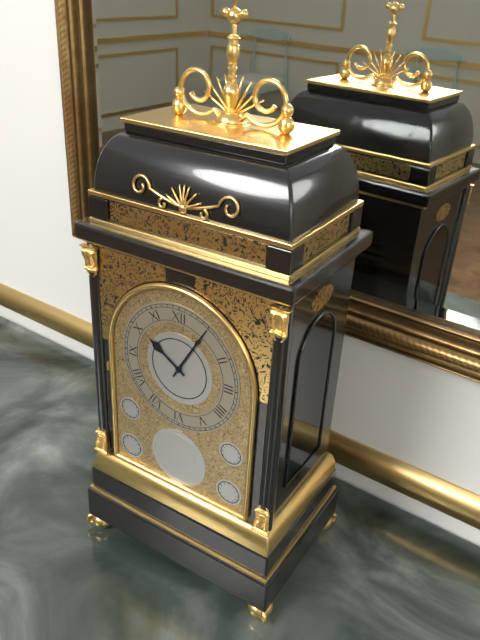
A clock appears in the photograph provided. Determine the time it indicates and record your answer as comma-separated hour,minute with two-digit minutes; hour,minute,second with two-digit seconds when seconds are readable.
10,05
